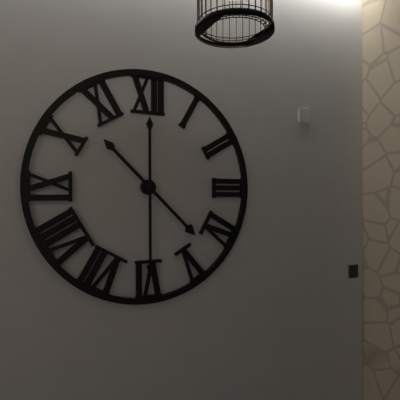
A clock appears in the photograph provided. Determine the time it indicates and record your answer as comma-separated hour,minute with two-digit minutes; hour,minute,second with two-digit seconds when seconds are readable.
4,30
